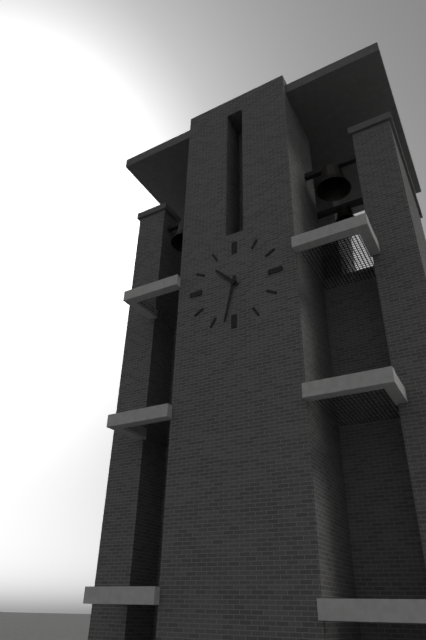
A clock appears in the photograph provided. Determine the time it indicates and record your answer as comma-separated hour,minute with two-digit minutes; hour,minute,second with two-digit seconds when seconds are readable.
10,32
